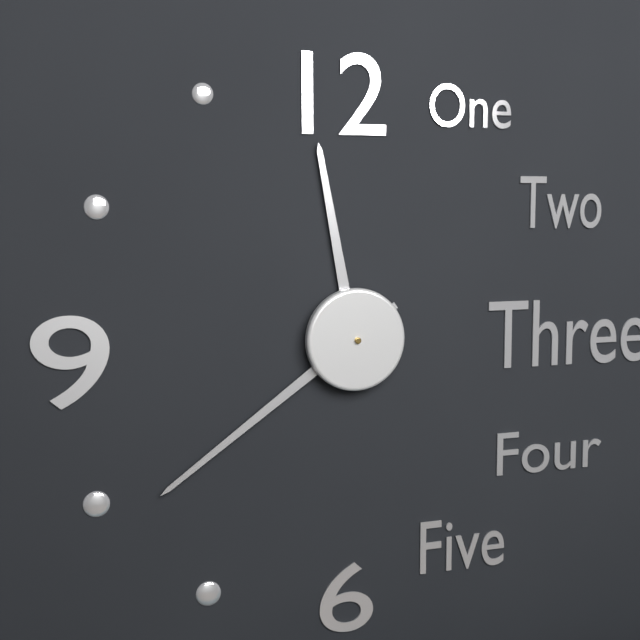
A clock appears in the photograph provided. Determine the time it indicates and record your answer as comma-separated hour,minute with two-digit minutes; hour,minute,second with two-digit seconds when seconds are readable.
11,39
